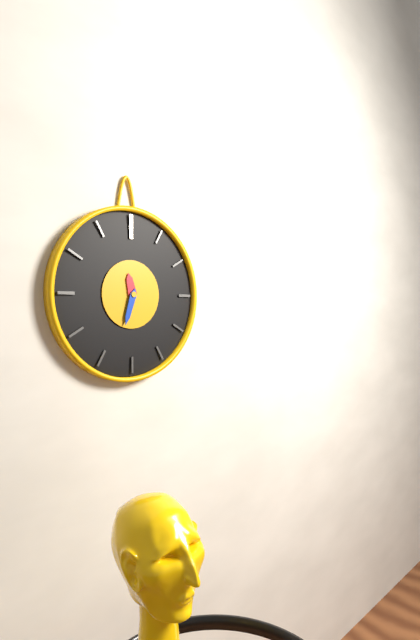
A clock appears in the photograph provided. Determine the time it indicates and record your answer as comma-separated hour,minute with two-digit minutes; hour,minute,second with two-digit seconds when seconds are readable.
11,33
